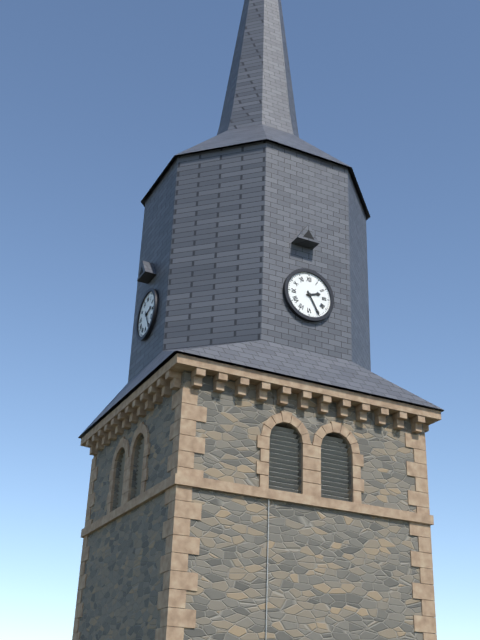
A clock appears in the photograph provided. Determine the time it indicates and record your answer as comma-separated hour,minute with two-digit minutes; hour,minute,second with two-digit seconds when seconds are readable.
2,25
